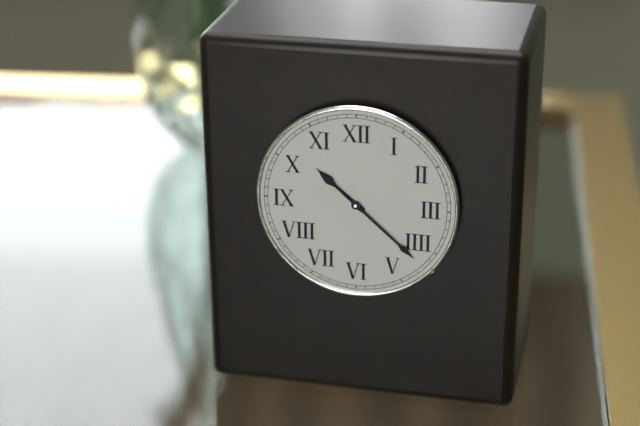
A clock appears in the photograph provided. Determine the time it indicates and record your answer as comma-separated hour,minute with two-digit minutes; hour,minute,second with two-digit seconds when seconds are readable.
10,22
